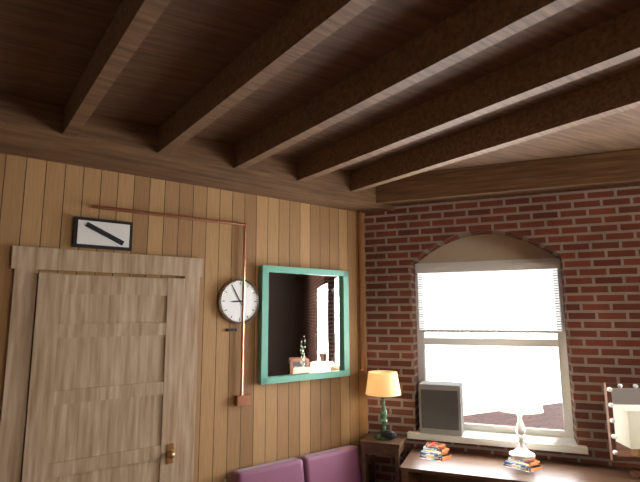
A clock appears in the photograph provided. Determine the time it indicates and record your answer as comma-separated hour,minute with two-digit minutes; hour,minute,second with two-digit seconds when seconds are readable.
8,55
